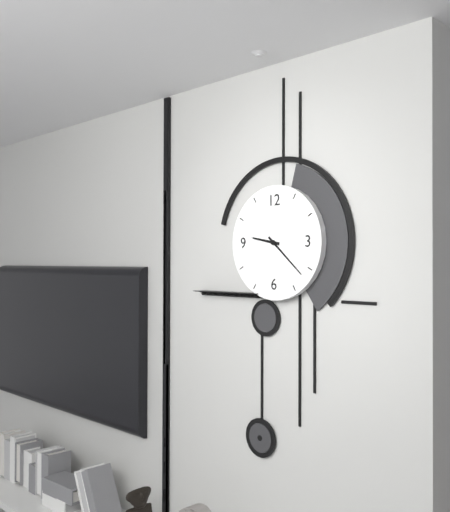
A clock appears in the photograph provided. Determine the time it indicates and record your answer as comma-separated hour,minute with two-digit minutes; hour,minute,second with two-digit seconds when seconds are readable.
9,22
